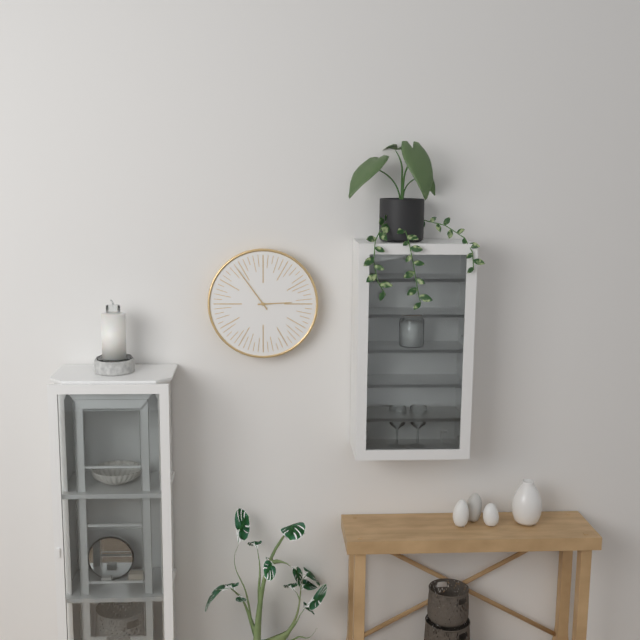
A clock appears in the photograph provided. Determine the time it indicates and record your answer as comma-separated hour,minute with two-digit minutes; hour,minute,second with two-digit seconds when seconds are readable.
2,54
